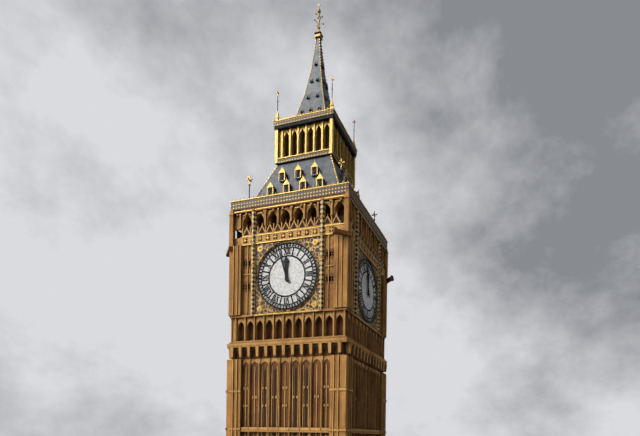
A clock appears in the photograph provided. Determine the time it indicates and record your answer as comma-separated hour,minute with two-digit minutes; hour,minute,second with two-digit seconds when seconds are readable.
11,57
